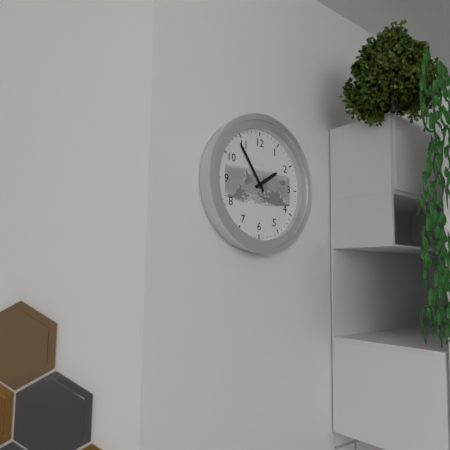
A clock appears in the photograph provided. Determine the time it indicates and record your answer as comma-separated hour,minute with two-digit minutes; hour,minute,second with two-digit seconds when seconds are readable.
1,54
